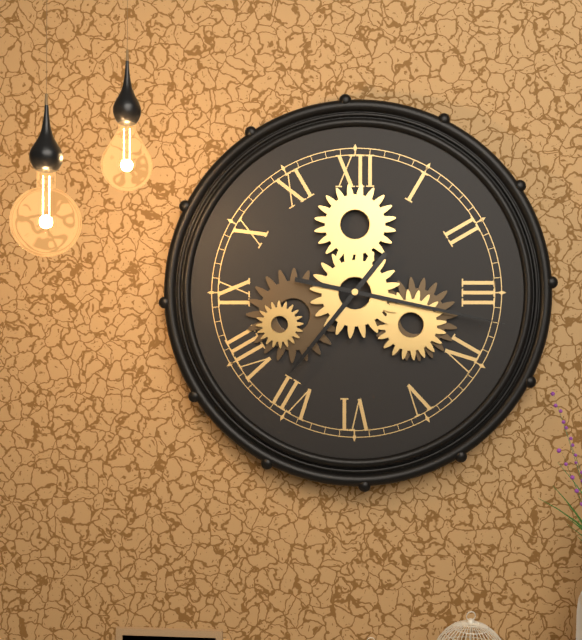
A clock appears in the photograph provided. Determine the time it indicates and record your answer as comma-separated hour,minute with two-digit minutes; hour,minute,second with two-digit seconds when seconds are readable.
7,17
